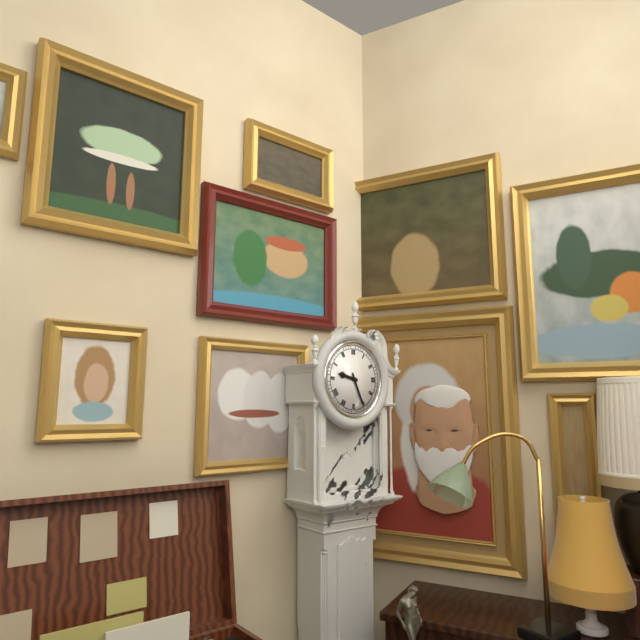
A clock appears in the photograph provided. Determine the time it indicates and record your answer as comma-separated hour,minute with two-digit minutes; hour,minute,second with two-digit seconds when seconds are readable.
9,26
